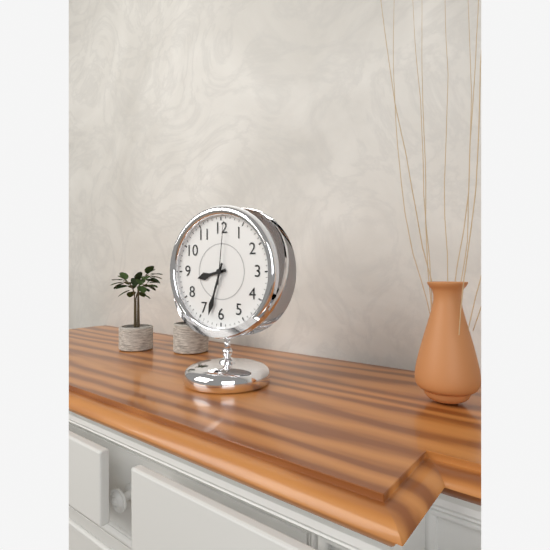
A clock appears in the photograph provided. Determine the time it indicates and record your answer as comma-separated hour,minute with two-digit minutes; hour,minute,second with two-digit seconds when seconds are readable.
8,33,01
